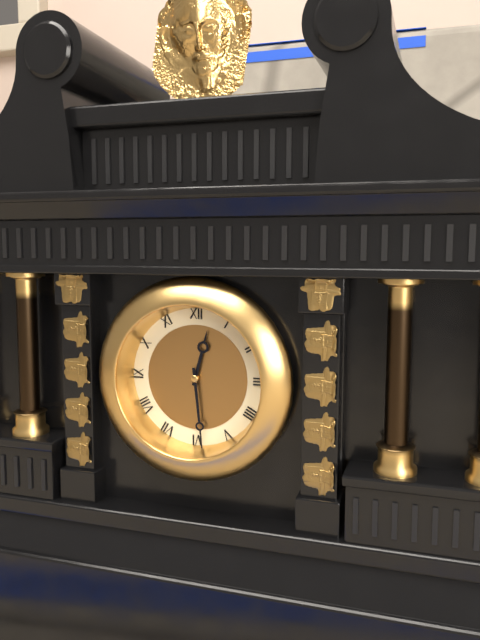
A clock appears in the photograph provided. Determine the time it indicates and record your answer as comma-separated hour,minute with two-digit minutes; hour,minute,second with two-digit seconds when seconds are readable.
12,29
